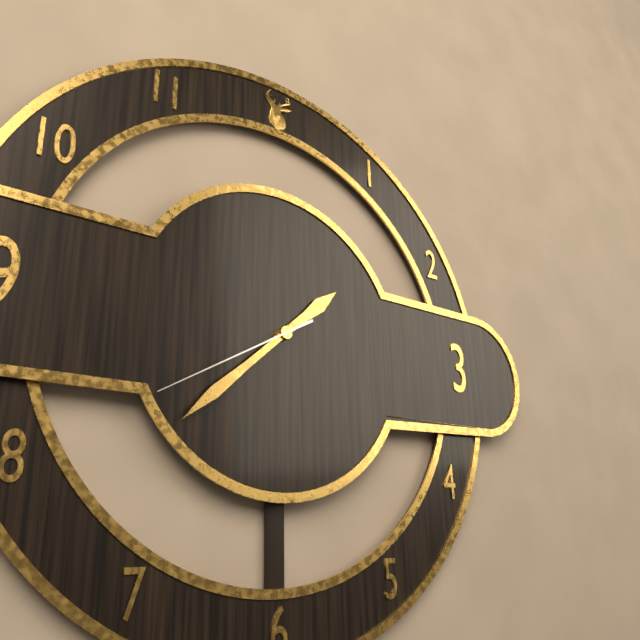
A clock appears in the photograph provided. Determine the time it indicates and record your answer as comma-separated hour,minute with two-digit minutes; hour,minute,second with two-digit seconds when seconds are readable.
1,38,40
